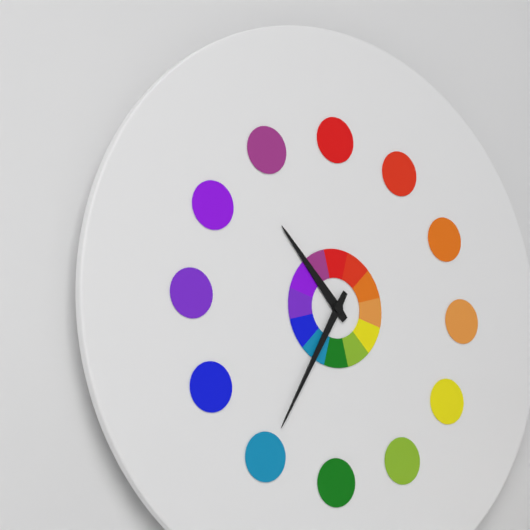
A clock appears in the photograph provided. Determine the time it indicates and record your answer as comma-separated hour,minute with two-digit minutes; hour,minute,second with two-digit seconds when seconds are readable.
10,35
